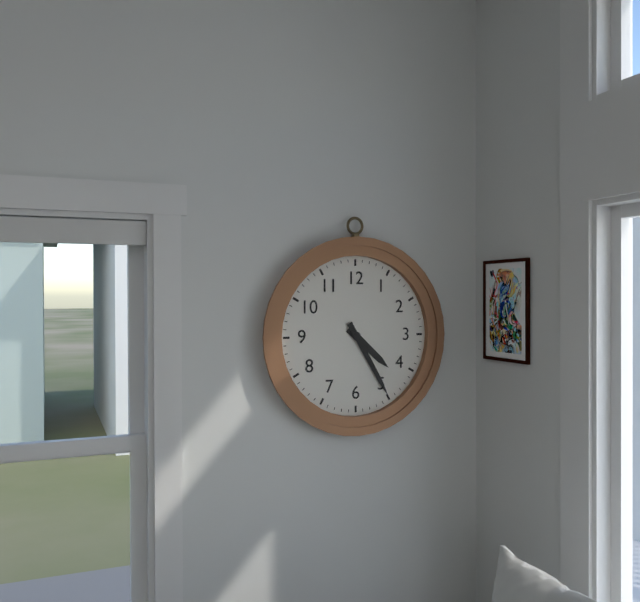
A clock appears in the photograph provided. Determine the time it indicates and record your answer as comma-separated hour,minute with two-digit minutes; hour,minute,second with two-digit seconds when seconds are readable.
4,25
